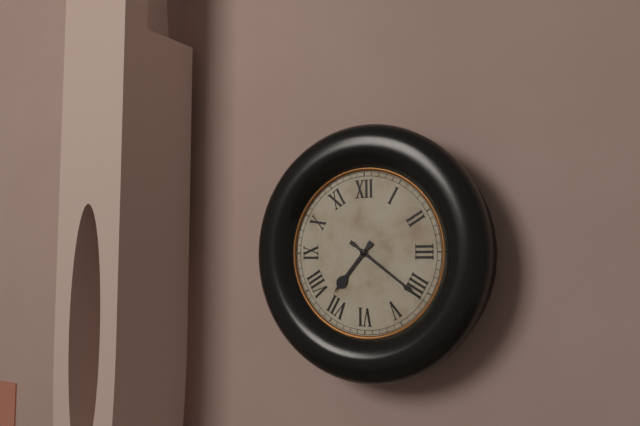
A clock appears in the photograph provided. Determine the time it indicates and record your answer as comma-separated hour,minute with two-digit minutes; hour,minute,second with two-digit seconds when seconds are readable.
7,21
